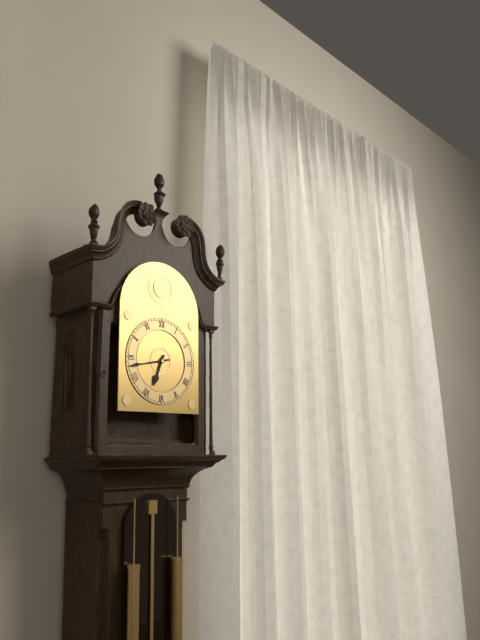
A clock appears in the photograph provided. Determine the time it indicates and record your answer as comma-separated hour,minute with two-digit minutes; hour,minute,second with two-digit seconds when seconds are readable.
6,43
